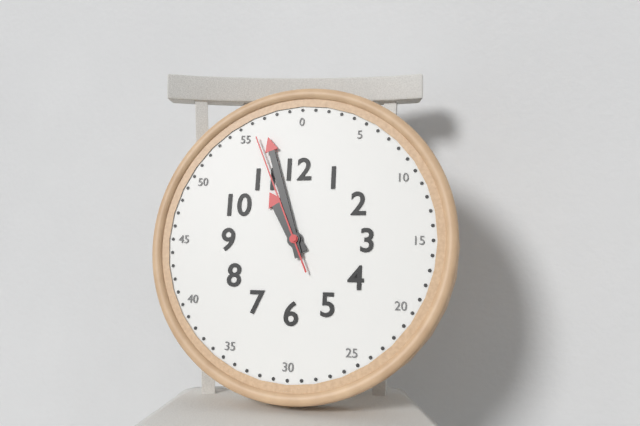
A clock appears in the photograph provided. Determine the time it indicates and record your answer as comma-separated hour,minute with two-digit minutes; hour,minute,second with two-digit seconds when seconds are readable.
10,57,56
